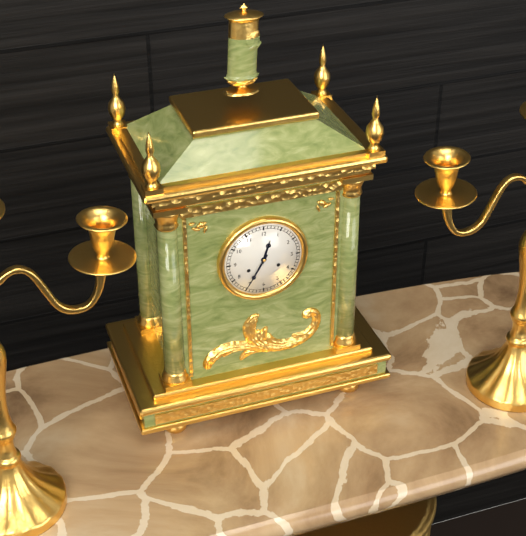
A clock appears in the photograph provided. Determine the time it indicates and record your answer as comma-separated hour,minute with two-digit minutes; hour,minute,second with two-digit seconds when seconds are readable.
12,35
